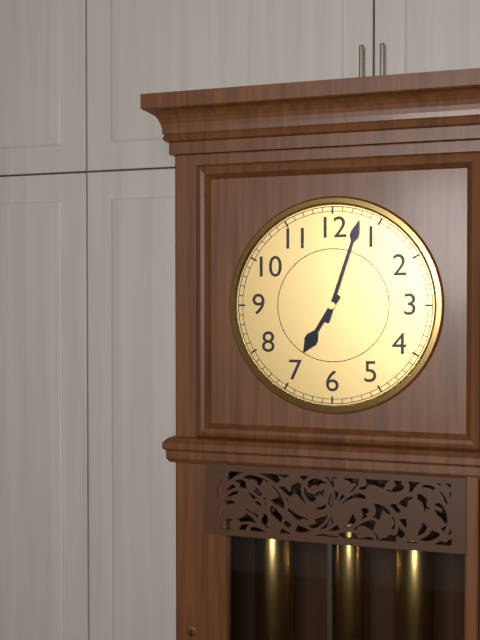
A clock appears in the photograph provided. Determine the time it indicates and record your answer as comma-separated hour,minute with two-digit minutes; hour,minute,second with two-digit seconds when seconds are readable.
7,03
